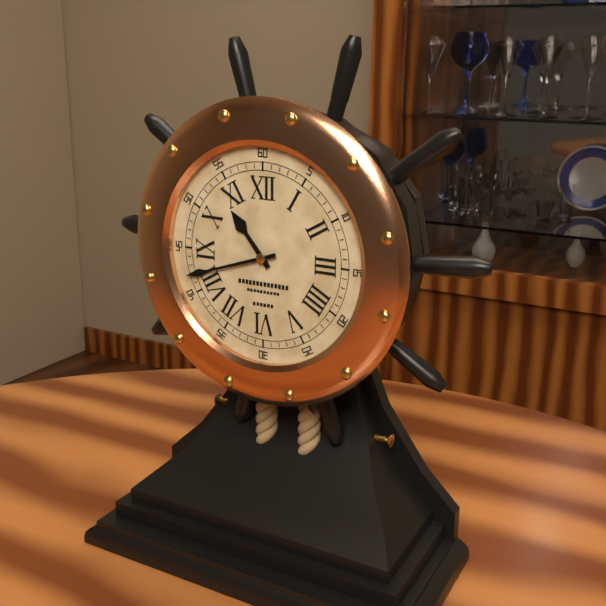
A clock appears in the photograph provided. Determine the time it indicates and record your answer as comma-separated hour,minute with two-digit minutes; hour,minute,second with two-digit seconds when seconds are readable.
10,42
